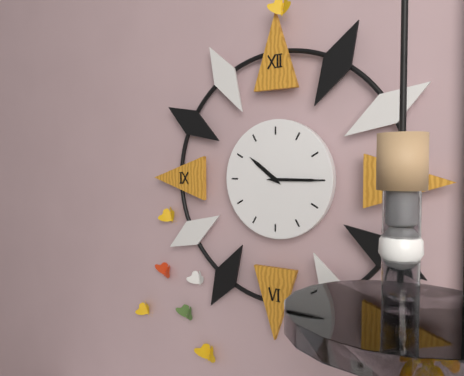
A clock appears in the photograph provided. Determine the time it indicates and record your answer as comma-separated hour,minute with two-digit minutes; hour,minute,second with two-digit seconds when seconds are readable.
10,15
